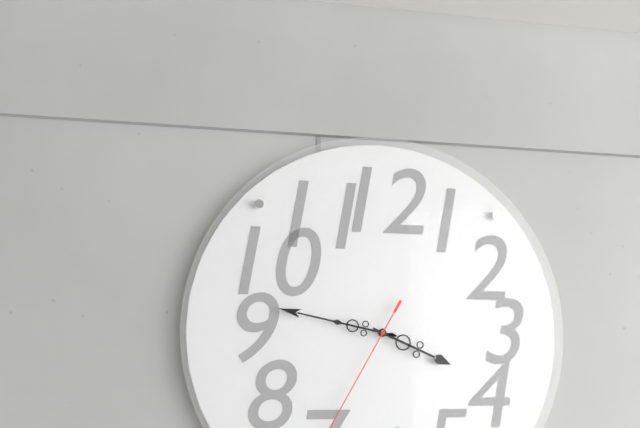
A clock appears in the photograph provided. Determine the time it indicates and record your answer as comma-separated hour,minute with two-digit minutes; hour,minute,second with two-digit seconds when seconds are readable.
3,47
